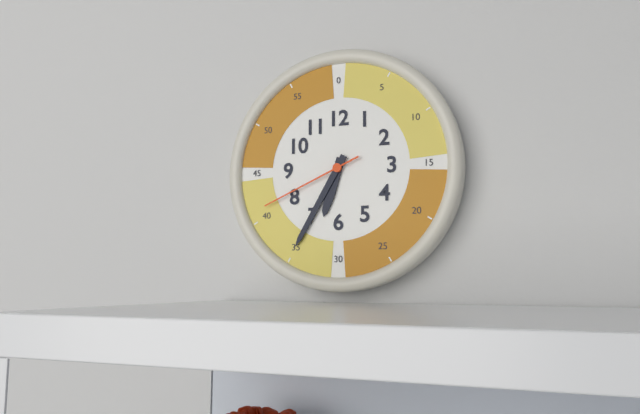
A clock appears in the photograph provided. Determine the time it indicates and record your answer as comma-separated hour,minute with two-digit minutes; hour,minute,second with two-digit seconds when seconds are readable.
6,35,41
